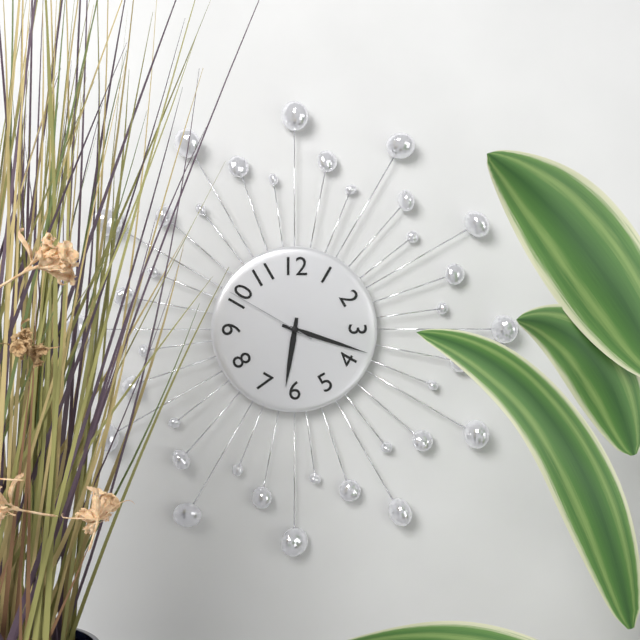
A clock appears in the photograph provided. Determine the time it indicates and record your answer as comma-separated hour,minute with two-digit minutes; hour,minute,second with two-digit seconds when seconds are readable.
6,18,50
